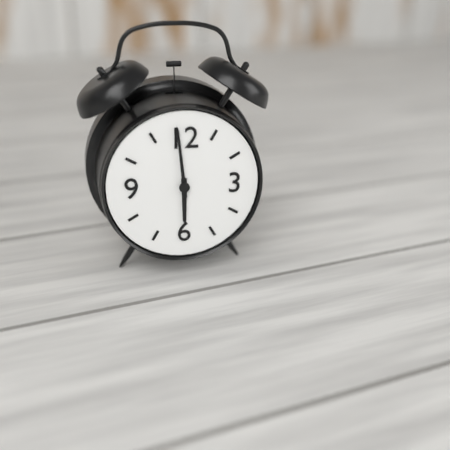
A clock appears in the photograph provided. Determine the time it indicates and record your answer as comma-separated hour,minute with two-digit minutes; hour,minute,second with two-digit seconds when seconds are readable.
5,59
